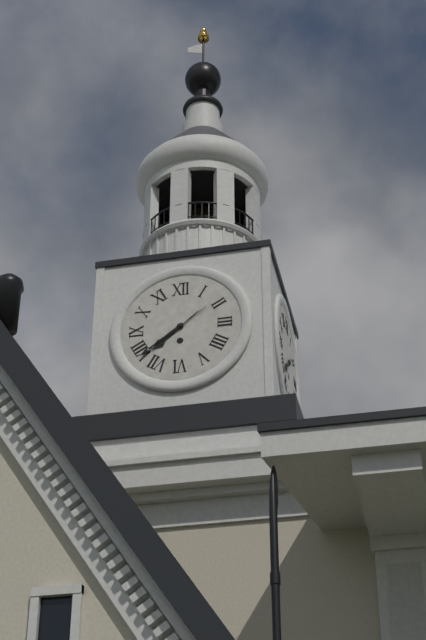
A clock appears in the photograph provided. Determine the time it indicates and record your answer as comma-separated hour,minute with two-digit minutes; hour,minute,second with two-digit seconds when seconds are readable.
7,39
